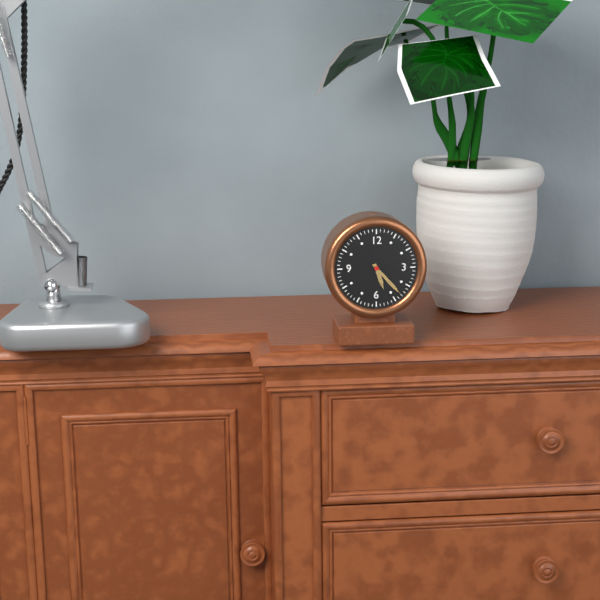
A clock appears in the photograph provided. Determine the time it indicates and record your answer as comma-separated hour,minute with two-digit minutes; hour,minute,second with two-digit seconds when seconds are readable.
5,23
